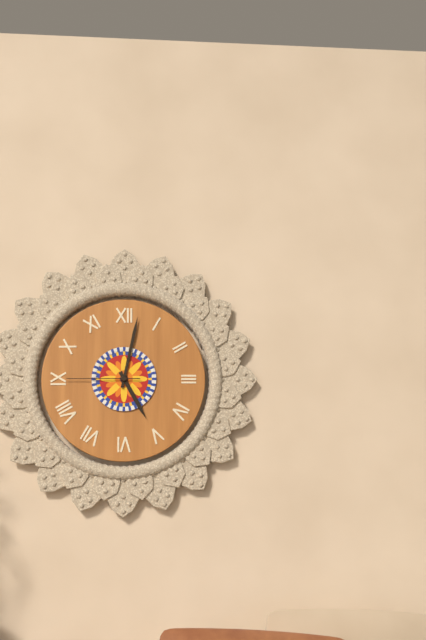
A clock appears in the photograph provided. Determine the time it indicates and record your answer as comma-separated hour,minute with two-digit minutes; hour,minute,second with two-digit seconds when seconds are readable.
5,02,45
